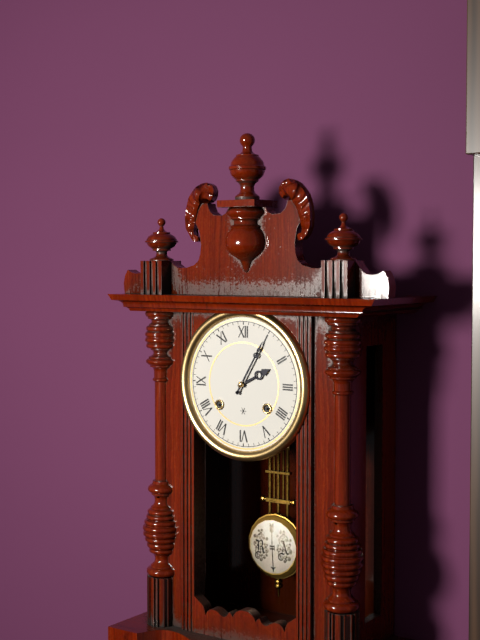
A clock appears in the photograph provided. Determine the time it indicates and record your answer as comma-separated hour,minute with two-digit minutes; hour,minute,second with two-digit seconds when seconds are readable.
2,05
